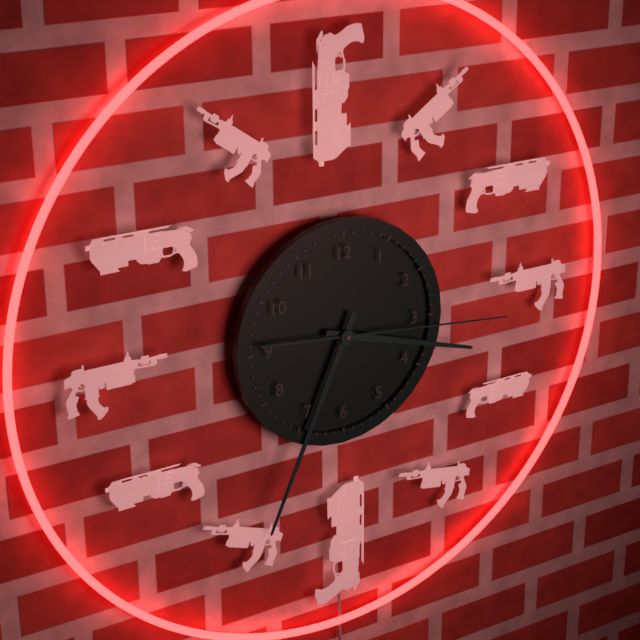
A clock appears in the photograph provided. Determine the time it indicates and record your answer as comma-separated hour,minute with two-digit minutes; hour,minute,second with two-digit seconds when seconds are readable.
3,34,16
